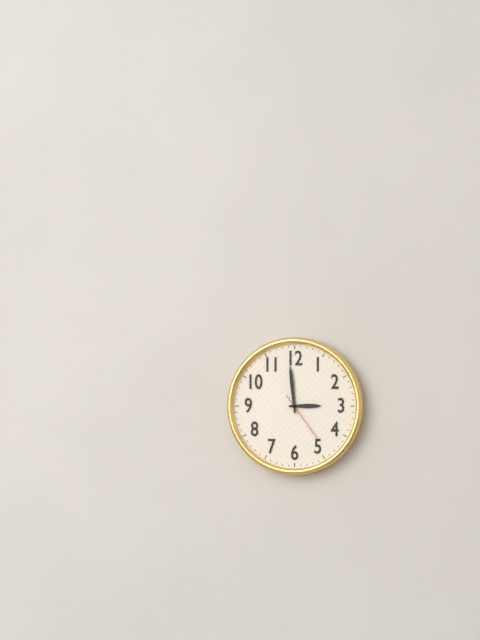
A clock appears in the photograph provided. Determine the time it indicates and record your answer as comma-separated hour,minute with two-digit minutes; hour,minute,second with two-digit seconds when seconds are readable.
2,59,24
